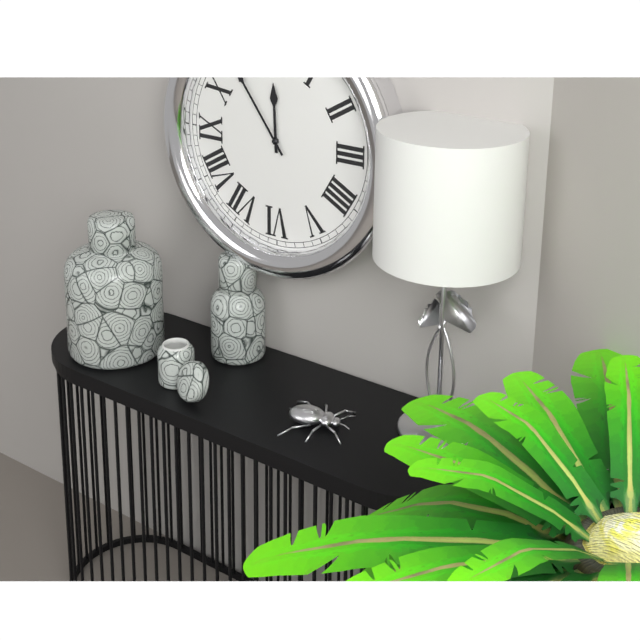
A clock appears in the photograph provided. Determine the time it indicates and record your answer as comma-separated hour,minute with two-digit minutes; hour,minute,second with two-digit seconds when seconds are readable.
11,54
